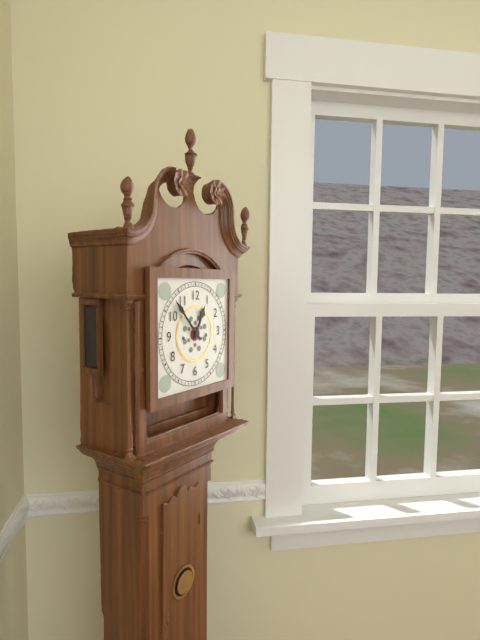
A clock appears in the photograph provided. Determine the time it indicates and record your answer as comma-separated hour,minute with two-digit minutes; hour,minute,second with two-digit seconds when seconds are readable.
12,53
